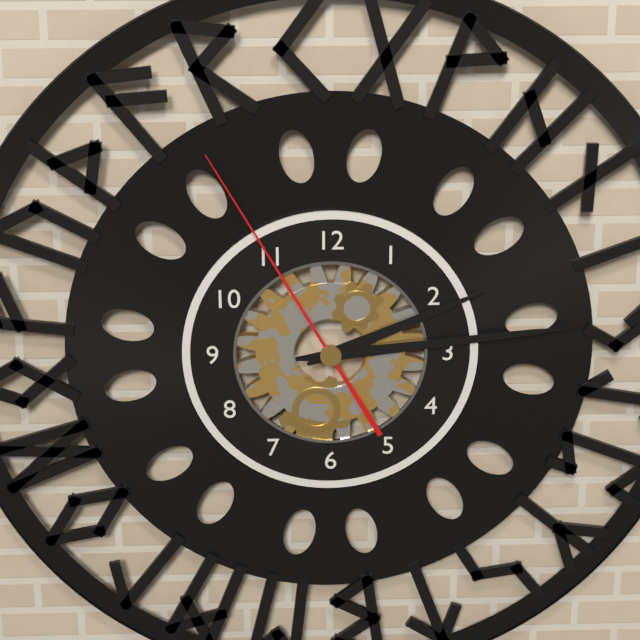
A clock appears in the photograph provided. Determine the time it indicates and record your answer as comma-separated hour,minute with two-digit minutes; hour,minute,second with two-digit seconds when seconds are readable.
2,14,55
